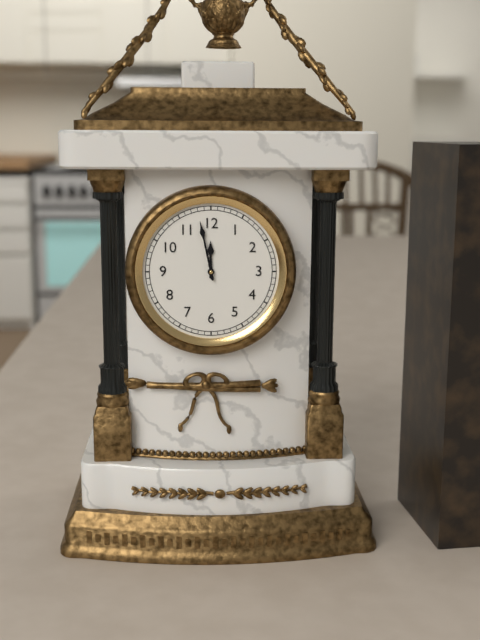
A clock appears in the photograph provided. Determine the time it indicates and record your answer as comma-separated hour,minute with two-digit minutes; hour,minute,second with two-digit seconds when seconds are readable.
11,58
